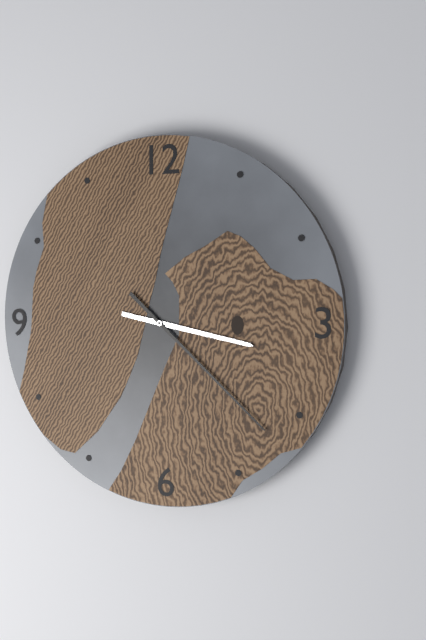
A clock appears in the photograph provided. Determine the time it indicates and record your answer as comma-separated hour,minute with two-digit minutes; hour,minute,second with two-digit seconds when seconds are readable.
3,22
